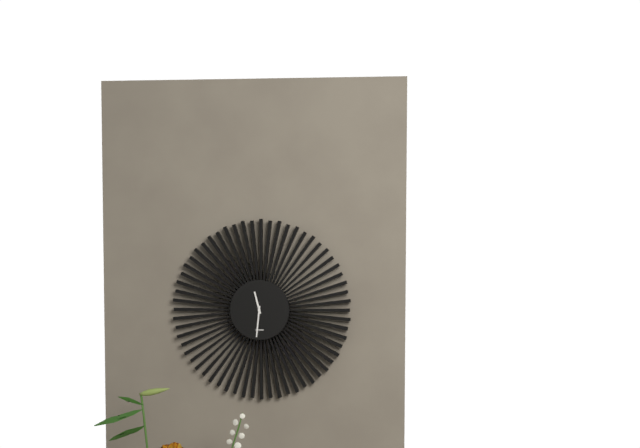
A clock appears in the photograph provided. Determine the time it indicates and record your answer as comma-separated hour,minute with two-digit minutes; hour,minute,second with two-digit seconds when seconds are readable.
11,31
